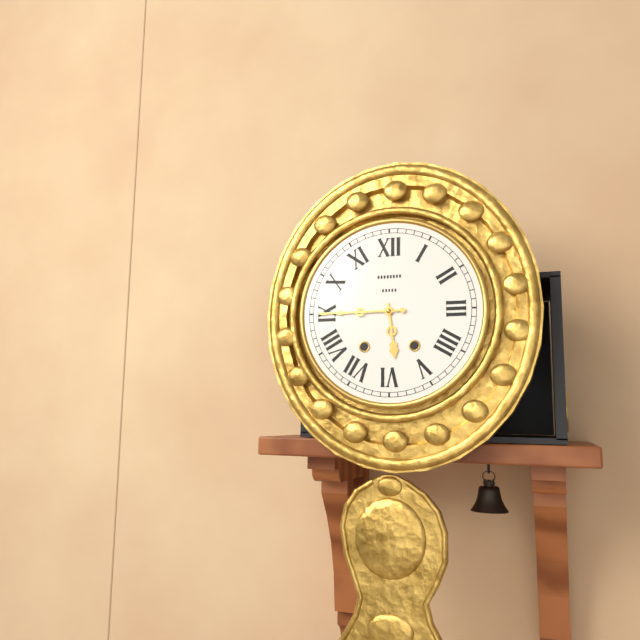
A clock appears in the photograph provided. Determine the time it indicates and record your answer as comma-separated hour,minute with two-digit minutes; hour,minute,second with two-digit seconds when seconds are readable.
5,45
